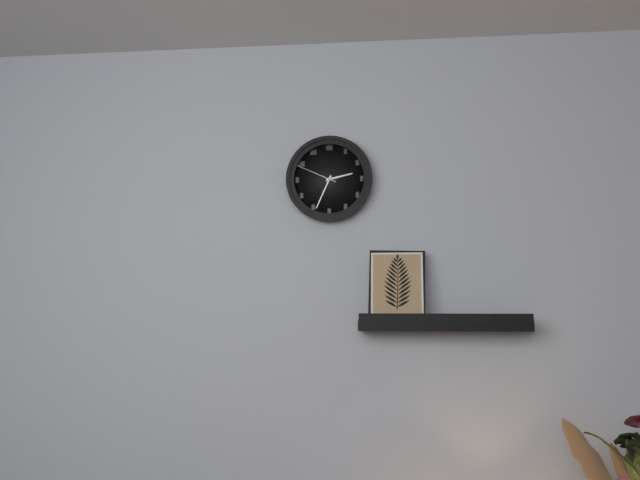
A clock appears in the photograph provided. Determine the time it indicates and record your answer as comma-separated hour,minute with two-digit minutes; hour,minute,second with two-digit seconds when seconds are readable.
2,34
